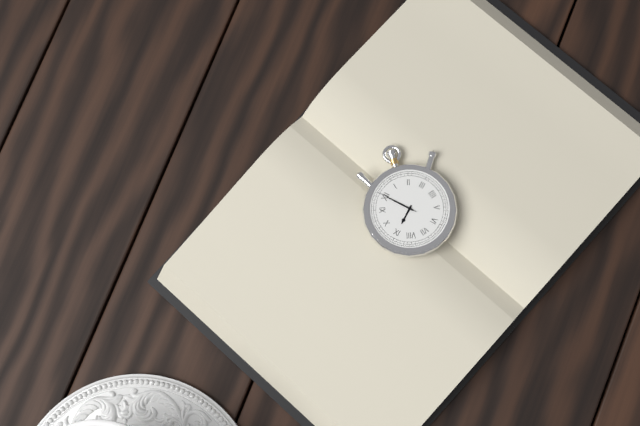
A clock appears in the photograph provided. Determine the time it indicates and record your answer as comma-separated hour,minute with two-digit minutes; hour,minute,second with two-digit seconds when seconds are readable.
9,00
